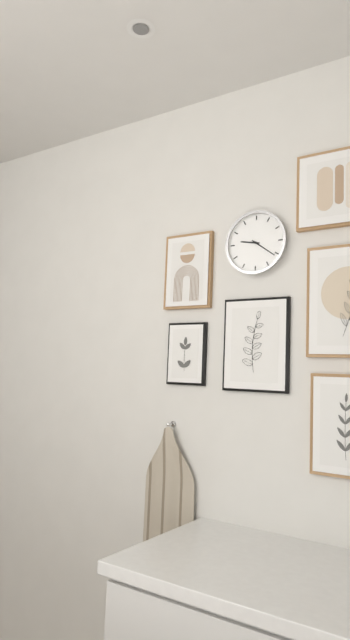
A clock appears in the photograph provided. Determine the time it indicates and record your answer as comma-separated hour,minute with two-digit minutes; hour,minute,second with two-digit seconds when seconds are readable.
9,21
